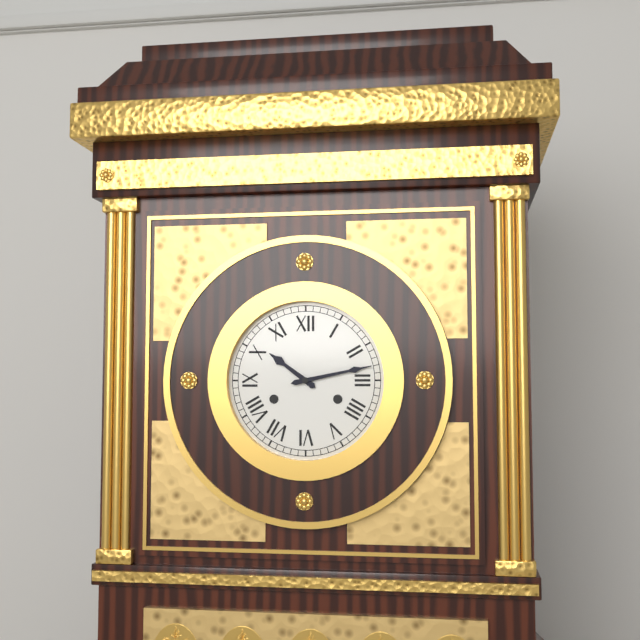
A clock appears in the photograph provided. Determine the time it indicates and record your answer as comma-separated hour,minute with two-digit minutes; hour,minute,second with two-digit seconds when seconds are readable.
10,13
